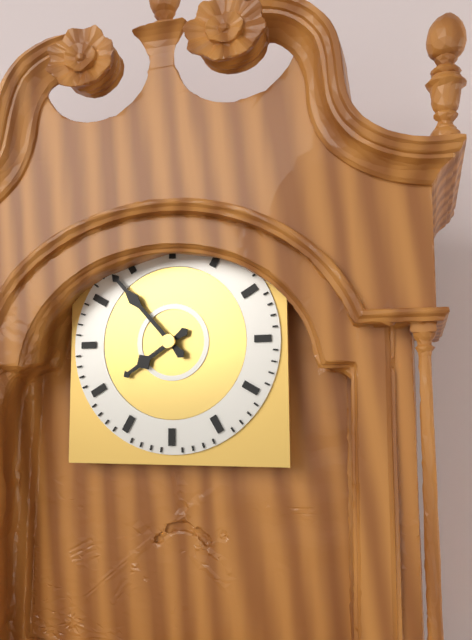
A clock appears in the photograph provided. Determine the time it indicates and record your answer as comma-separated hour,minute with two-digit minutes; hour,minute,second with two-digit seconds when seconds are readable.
7,53
